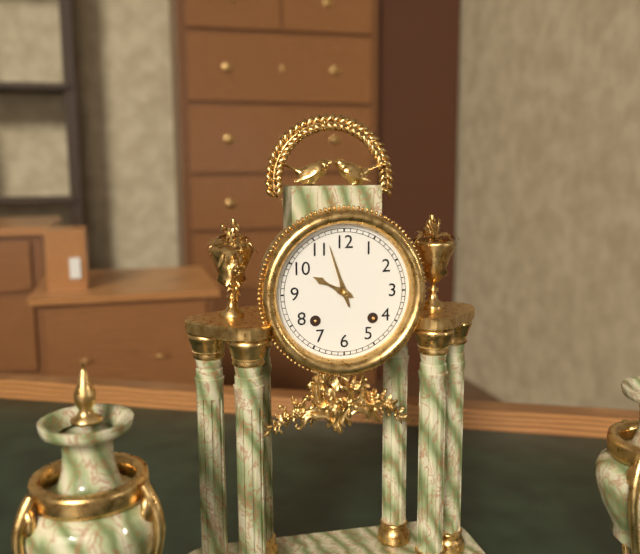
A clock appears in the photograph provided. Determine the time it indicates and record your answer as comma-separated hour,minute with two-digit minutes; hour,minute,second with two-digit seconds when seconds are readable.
9,57
